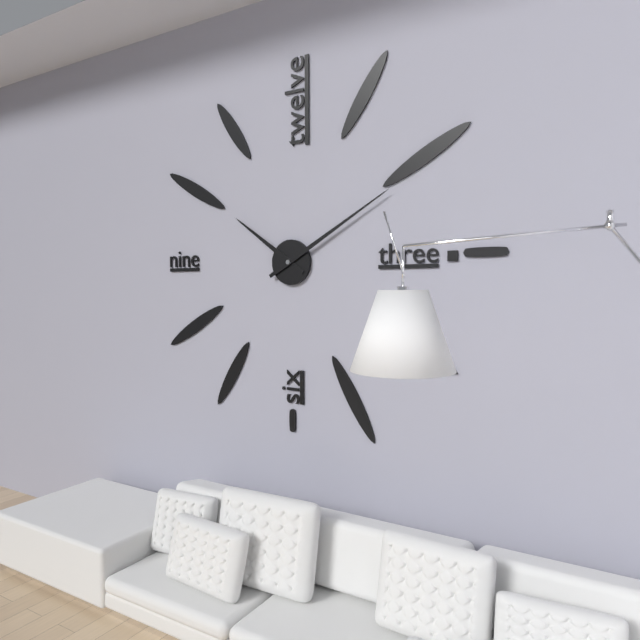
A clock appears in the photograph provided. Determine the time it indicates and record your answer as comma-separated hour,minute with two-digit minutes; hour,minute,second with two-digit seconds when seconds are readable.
10,10
